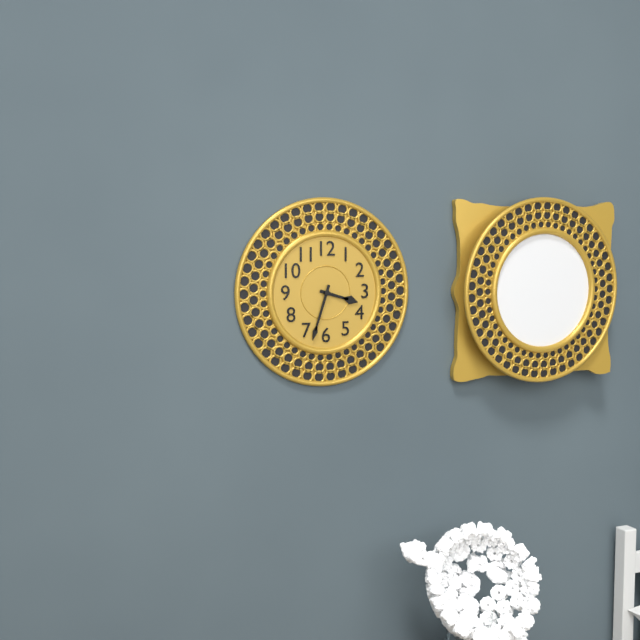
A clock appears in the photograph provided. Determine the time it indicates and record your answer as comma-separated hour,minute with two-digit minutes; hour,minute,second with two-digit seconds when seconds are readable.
3,33
